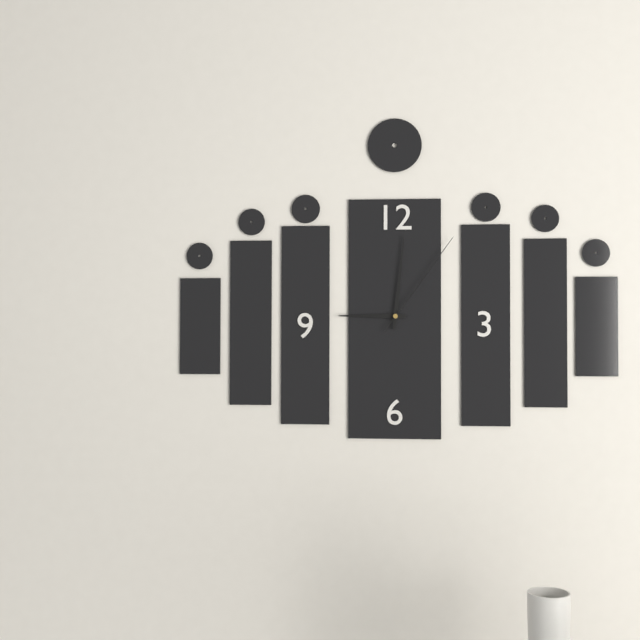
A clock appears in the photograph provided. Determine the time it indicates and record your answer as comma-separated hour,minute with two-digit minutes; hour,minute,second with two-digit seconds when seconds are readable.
9,01,06
